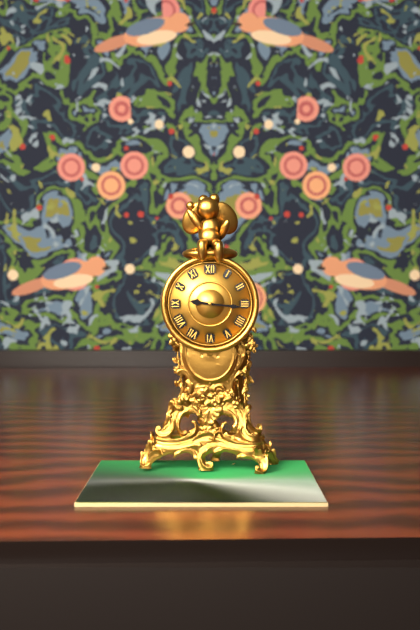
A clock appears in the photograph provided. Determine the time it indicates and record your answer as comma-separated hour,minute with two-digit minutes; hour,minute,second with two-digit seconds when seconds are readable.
9,16
